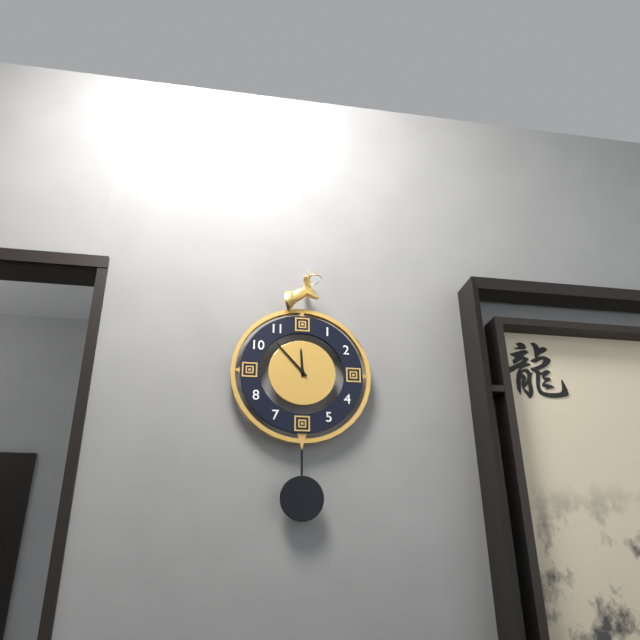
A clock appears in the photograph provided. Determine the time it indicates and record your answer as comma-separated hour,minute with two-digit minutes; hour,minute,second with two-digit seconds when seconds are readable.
11,53
